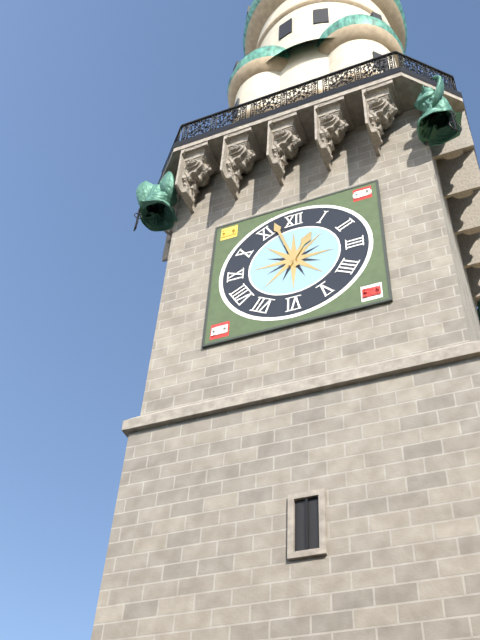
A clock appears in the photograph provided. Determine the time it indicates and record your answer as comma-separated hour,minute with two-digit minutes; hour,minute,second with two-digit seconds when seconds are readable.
12,57
